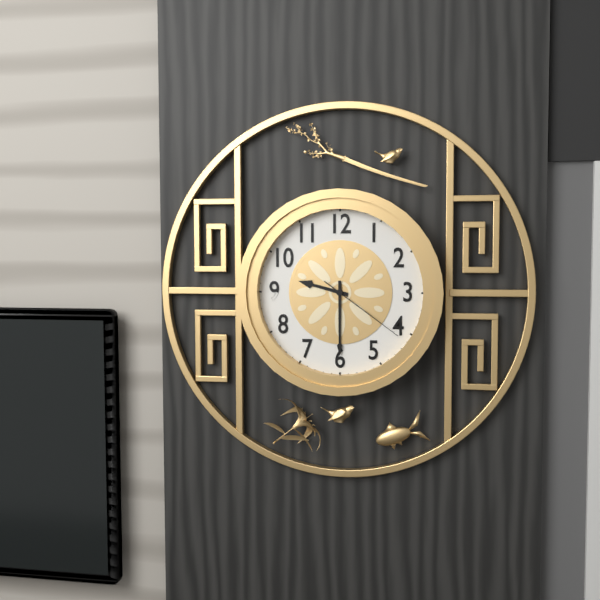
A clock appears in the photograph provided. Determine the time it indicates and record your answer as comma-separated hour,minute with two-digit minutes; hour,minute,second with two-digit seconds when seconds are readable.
9,30,21
